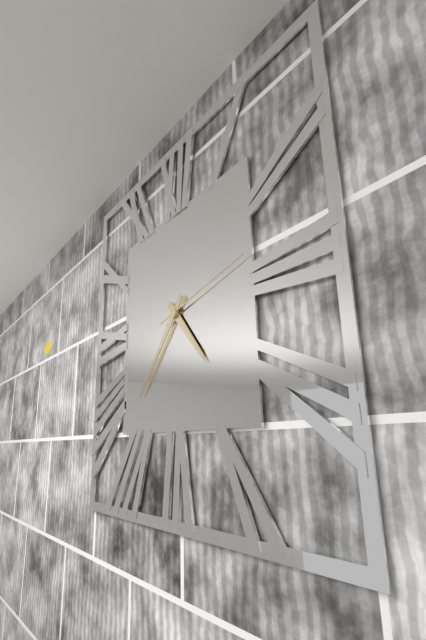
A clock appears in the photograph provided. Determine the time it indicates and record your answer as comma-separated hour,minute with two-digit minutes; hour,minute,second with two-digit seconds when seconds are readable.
4,37,13
